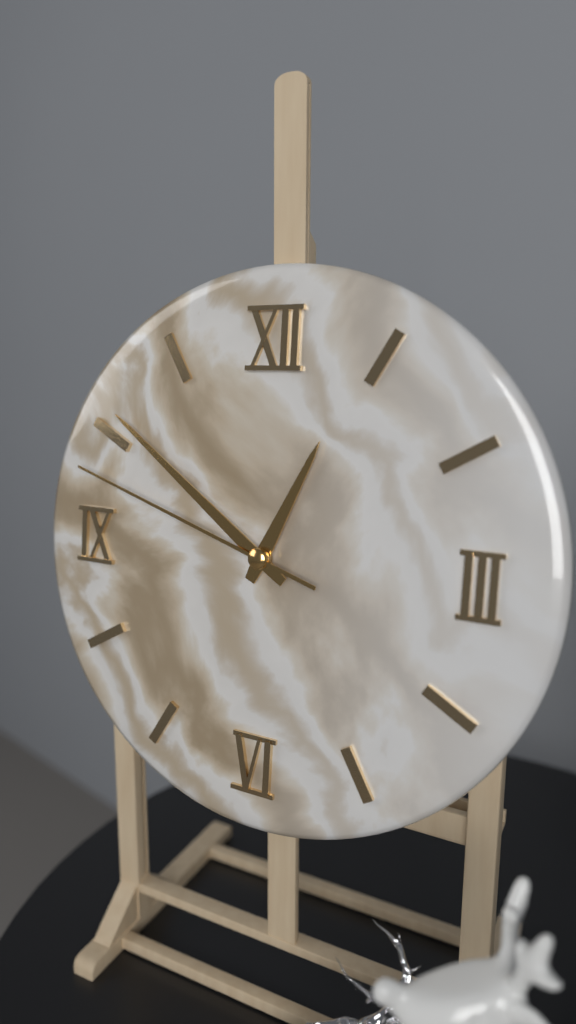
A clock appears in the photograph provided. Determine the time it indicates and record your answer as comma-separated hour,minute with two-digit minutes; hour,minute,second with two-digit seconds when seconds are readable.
12,51,48
